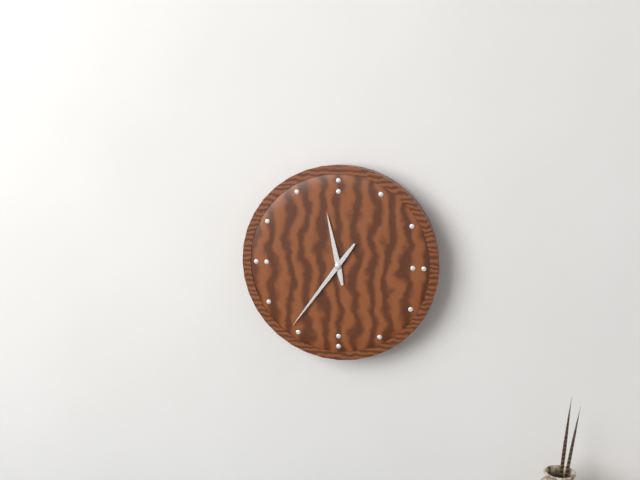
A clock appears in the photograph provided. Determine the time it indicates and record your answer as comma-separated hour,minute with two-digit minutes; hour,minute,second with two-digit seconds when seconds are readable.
11,36
